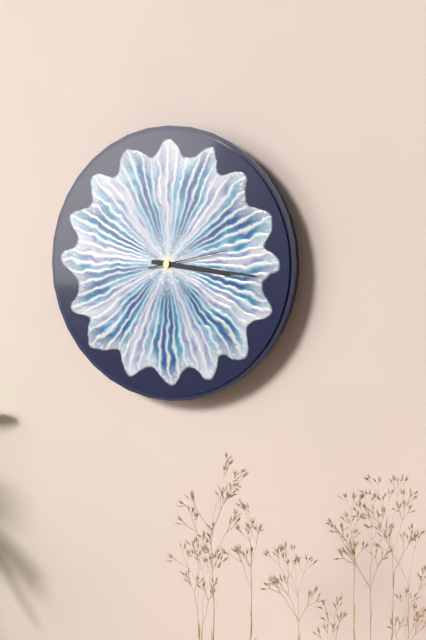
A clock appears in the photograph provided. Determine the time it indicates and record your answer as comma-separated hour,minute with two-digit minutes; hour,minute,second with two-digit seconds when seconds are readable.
3,16,13
